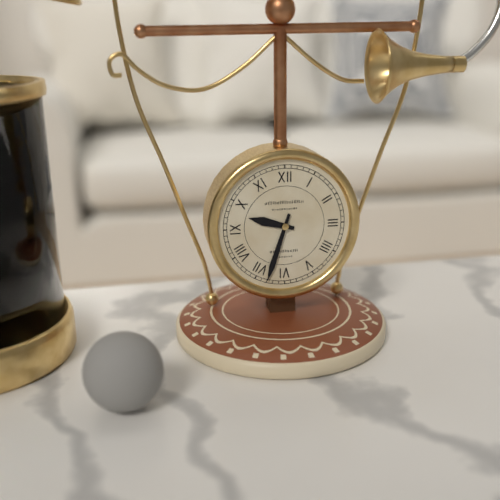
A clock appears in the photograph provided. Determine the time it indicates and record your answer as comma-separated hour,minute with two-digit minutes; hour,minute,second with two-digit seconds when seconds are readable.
9,33
